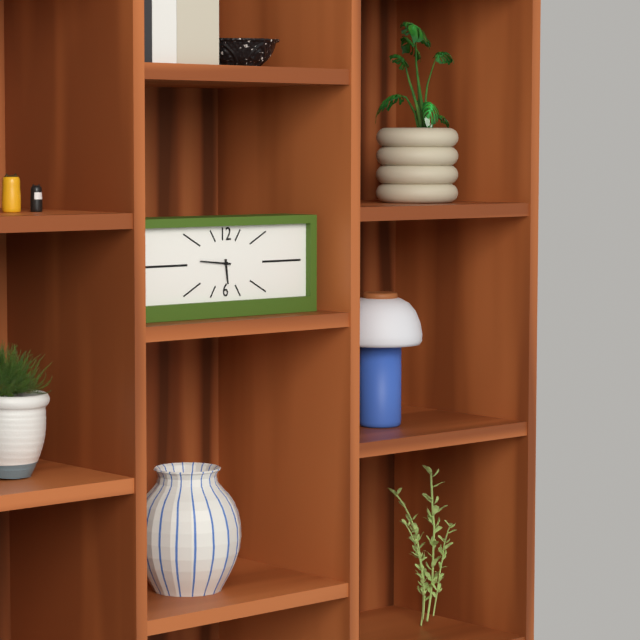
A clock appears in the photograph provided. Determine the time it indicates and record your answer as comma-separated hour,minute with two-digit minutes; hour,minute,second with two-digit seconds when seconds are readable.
5,46
